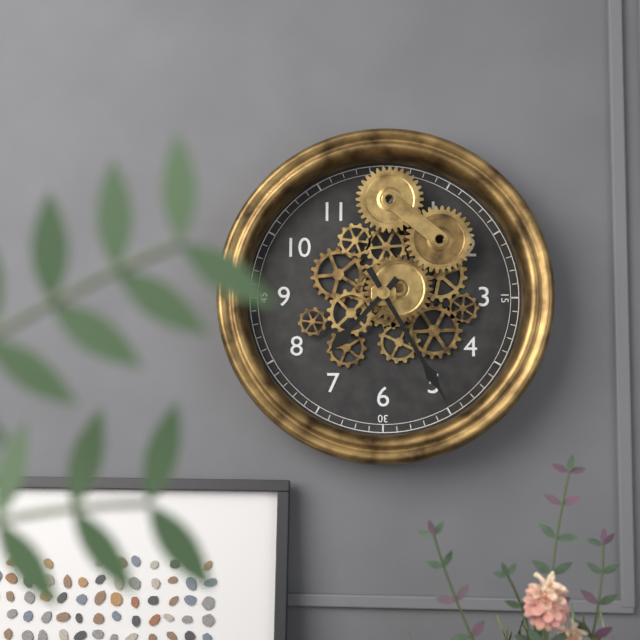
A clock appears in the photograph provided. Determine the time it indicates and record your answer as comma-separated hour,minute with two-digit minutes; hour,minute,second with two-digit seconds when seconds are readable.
7,25
